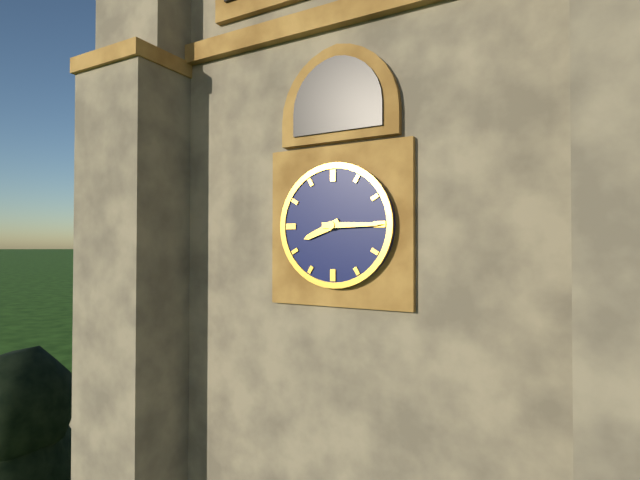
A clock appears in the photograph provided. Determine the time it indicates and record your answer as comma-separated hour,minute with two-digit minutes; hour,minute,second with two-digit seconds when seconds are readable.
8,15
